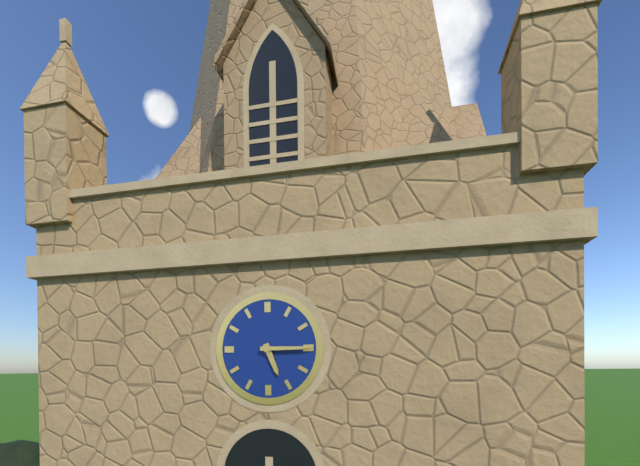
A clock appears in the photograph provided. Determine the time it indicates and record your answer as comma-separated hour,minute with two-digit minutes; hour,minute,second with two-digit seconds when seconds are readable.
5,15
